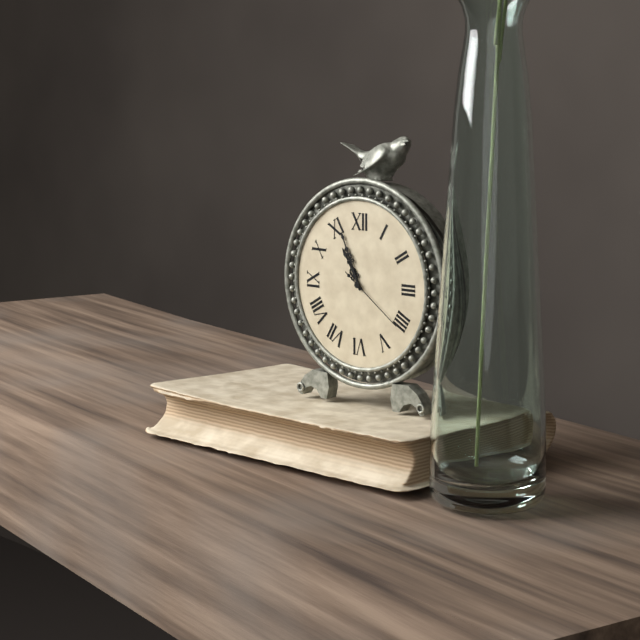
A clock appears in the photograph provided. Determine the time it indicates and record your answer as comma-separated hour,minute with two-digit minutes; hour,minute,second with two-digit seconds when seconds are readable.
10,56,21
